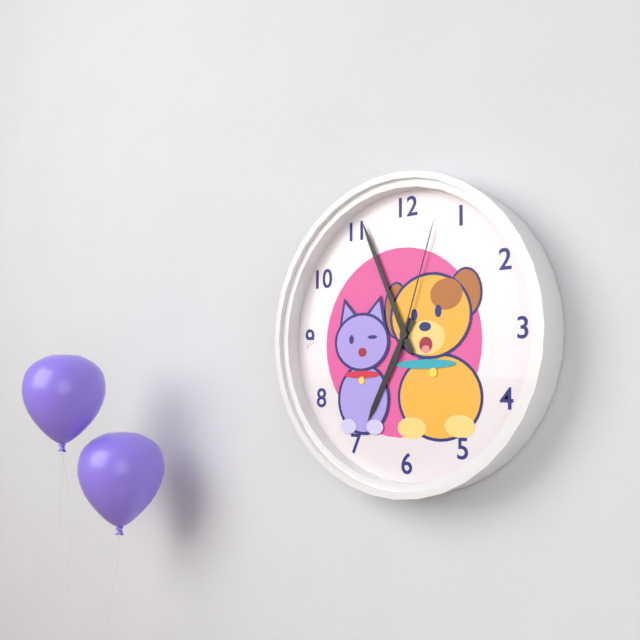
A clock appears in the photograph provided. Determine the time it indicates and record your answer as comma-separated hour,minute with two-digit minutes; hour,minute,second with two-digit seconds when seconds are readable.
6,56,03
